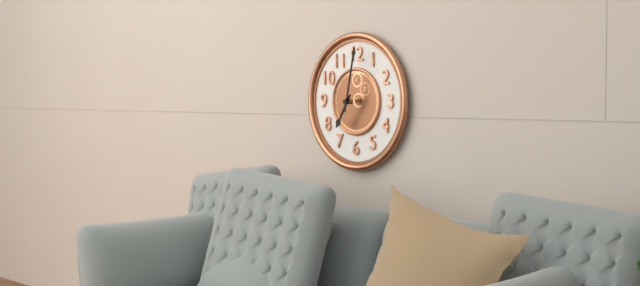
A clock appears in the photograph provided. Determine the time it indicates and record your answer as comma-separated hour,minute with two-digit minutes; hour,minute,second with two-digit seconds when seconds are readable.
7,02
